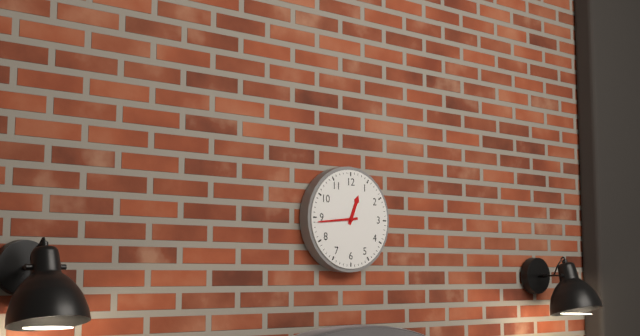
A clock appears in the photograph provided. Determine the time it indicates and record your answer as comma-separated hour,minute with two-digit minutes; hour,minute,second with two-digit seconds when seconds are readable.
12,44
